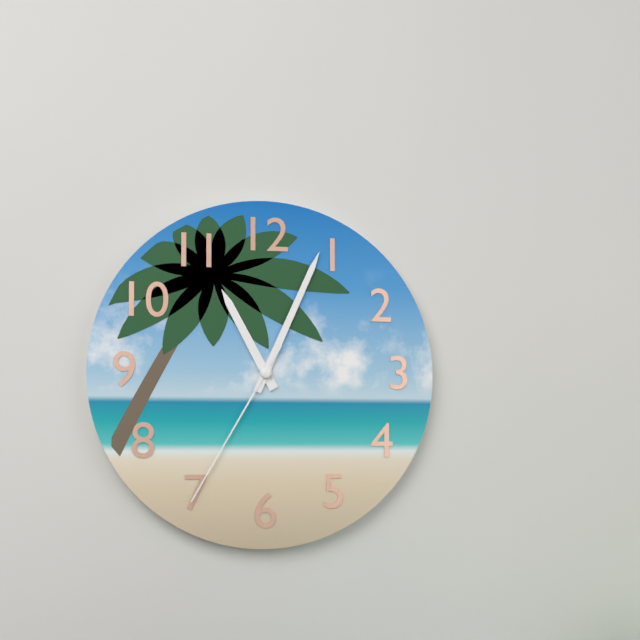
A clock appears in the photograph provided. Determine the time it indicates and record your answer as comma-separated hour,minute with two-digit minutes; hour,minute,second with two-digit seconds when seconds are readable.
11,04,35
